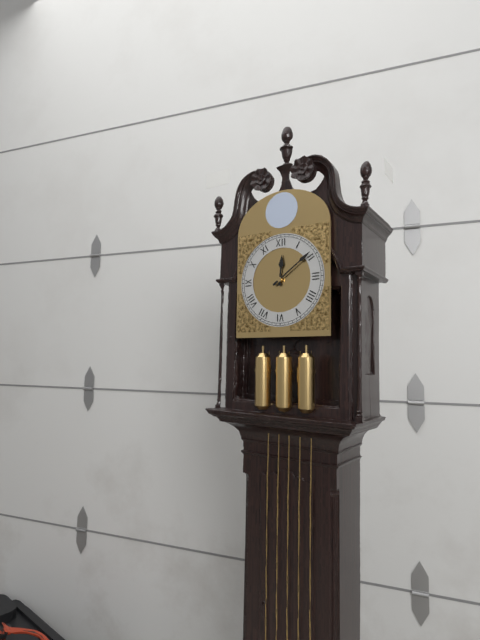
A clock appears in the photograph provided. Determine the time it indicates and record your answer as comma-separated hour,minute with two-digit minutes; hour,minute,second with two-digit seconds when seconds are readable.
12,09
